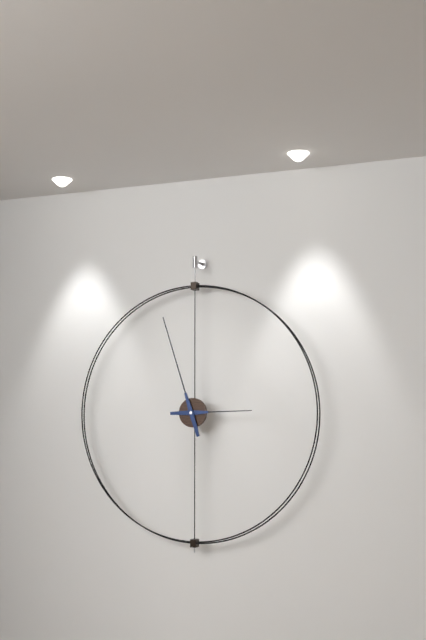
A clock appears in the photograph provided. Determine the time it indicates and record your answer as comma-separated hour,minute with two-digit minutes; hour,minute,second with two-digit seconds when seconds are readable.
2,57
